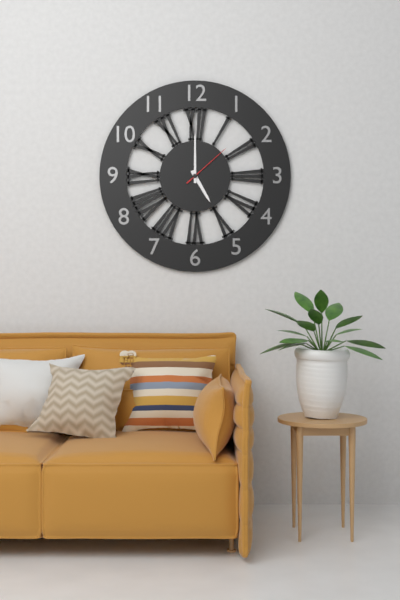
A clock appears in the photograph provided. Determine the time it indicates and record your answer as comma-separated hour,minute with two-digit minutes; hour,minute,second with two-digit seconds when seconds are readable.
5,00,08
